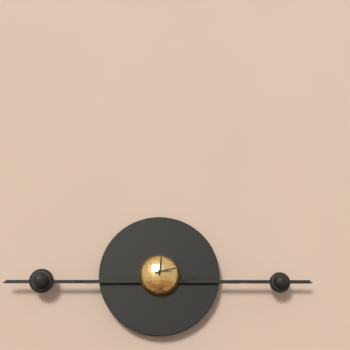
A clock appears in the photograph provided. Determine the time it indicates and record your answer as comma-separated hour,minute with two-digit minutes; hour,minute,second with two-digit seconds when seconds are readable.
12,13
